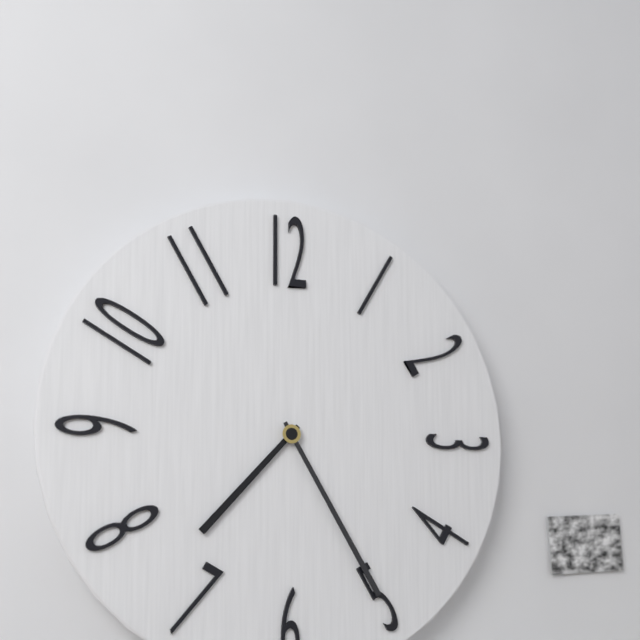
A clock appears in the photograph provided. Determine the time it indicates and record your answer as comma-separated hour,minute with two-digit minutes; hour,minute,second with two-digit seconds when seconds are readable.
7,25
